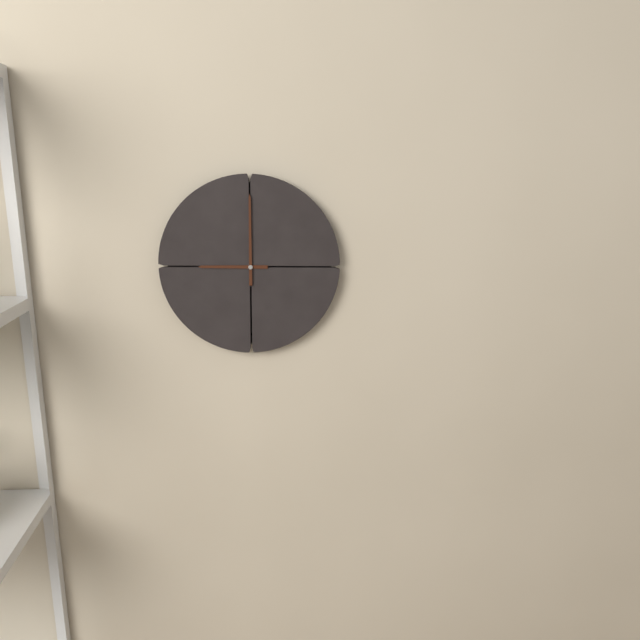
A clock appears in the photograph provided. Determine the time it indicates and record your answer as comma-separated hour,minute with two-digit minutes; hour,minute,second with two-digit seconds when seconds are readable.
9,00
